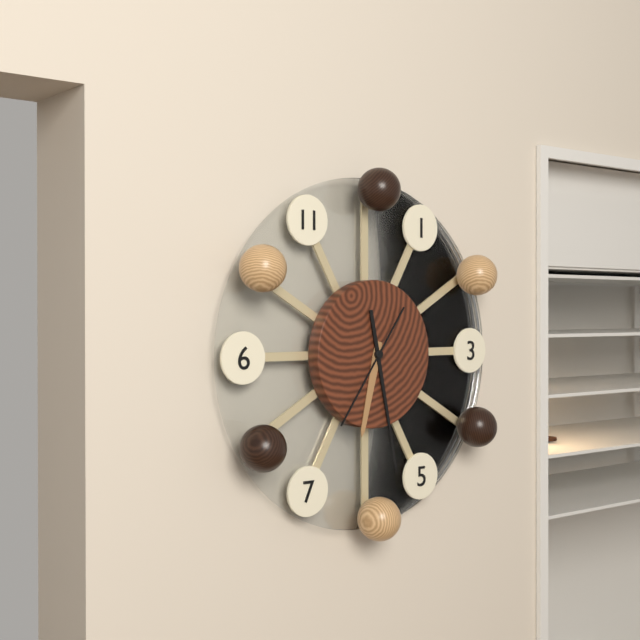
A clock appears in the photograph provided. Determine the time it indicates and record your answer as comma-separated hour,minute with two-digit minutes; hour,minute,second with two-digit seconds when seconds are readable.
6,28,36
